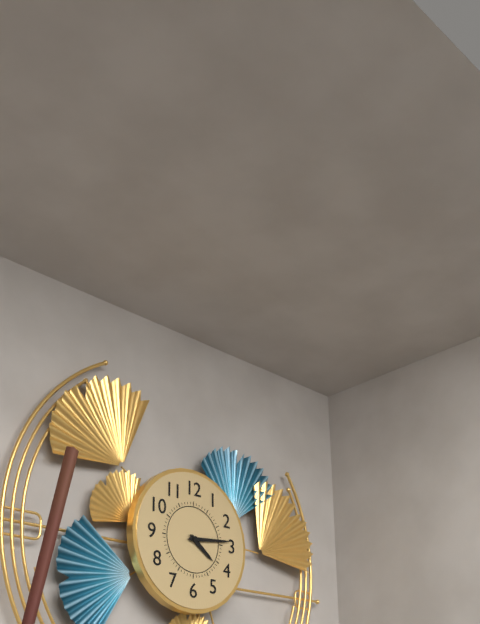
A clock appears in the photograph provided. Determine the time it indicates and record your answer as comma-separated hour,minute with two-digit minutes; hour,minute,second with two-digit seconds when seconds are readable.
4,14
